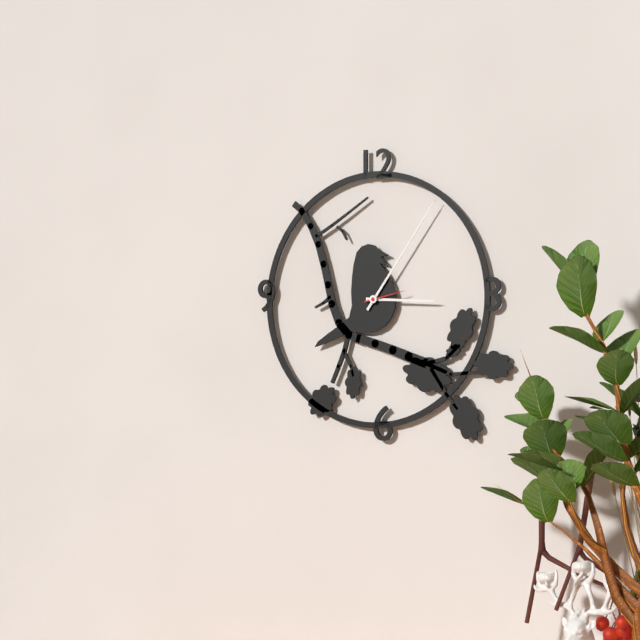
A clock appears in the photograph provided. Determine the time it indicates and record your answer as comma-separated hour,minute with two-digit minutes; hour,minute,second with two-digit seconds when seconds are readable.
3,06
